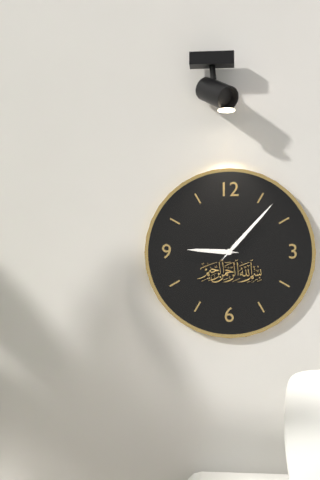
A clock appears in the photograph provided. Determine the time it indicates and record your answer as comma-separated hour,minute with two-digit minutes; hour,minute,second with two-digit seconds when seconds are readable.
9,07
